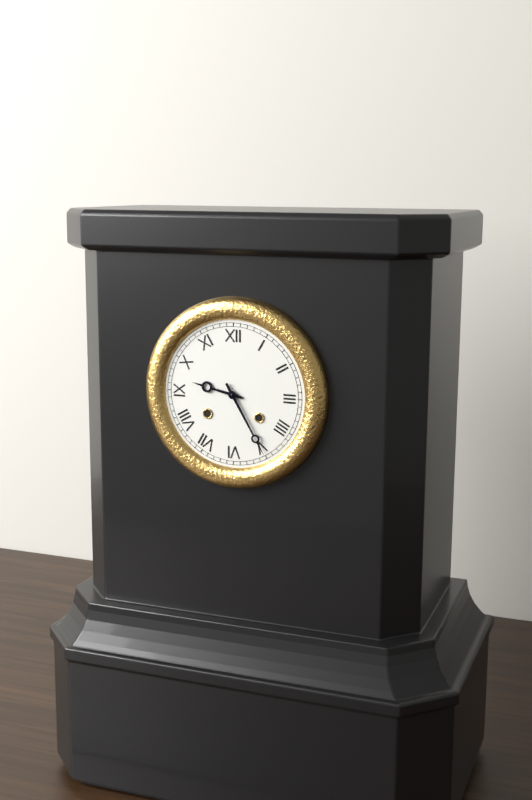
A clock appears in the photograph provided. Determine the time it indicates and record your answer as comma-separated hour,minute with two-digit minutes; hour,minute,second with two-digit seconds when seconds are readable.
9,25
